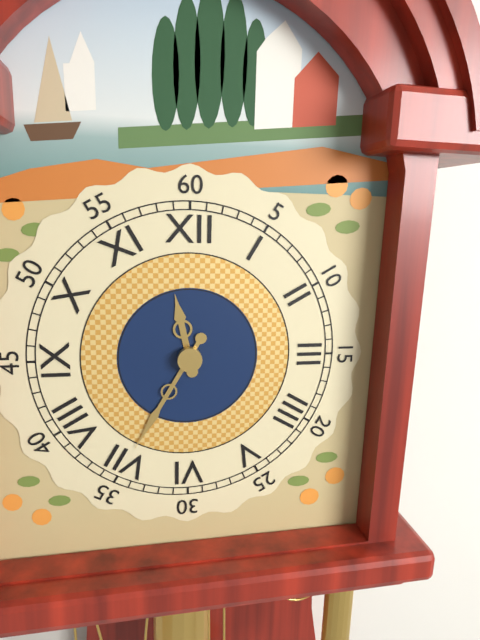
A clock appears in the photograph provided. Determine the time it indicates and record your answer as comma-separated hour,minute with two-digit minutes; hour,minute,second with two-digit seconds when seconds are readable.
11,35
